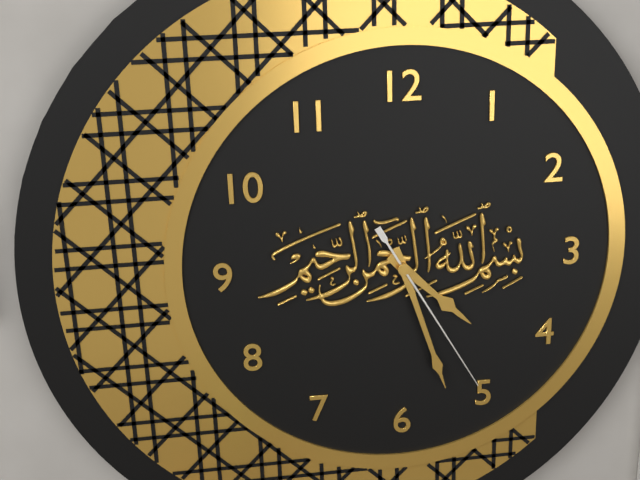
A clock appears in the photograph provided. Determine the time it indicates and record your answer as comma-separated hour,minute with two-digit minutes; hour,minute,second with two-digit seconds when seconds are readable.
4,27,25
